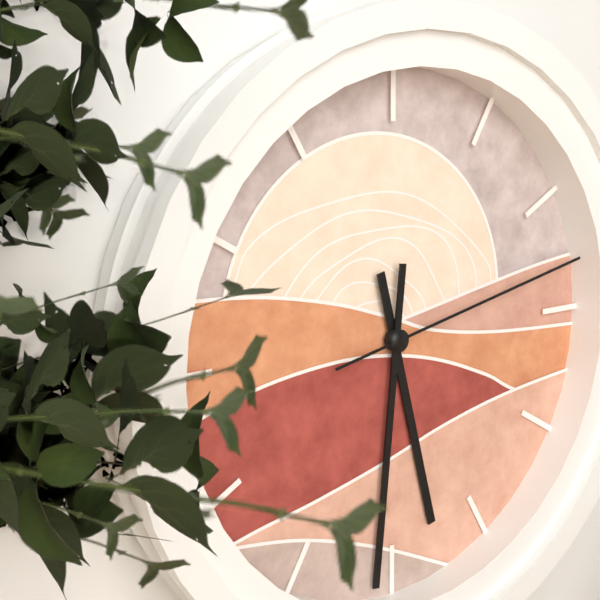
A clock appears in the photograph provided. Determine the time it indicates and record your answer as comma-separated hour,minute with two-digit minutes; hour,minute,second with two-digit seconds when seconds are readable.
5,31,13
